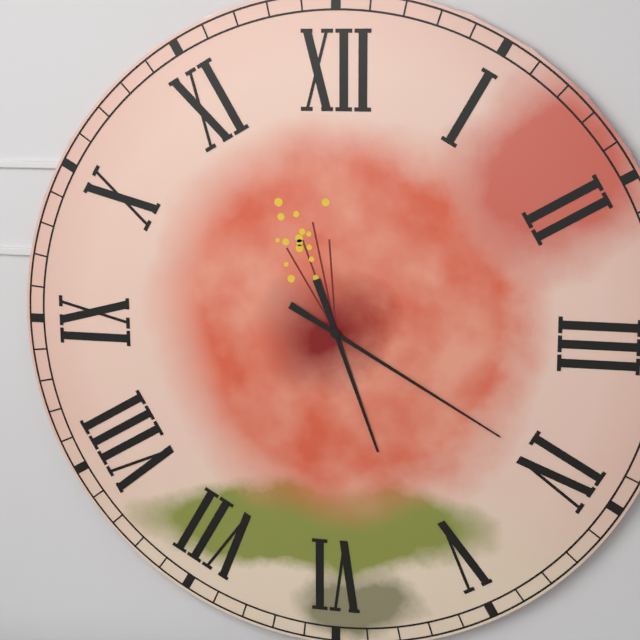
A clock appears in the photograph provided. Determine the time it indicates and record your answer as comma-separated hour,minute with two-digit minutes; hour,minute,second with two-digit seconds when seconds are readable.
5,20
